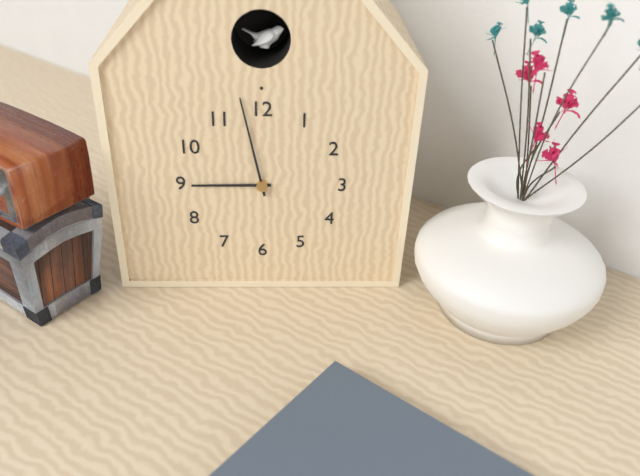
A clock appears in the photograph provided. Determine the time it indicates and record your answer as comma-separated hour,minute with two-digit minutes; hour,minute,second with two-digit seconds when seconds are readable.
8,58
